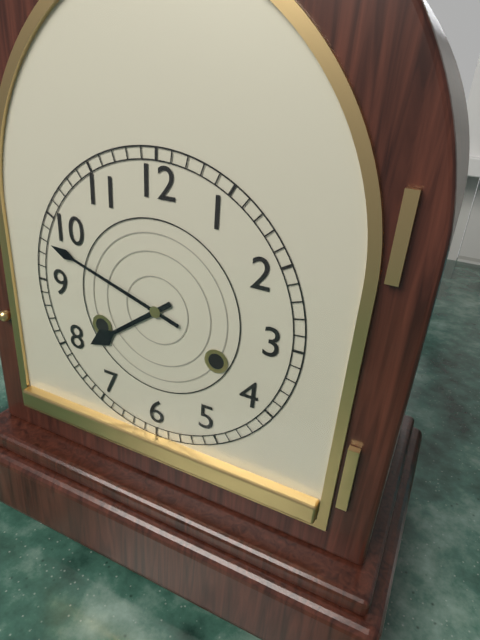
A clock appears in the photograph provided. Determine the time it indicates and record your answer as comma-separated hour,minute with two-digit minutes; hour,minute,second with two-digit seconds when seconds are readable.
7,48
